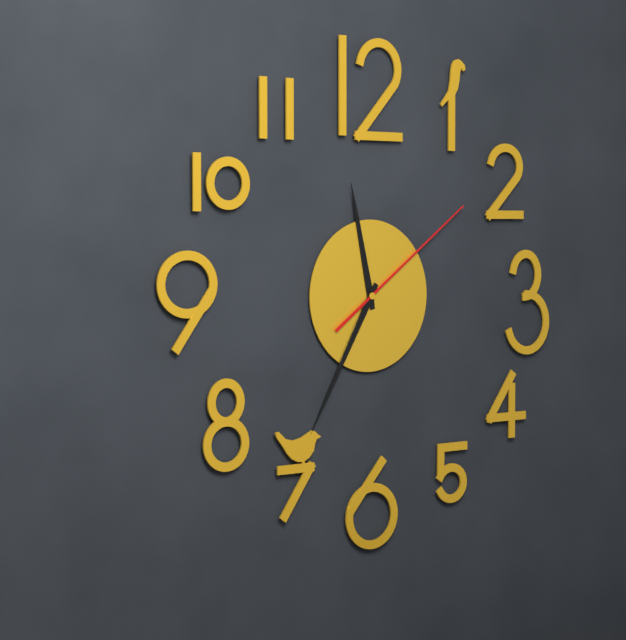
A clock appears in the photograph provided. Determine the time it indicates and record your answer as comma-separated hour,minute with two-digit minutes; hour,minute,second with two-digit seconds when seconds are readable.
11,35,09
